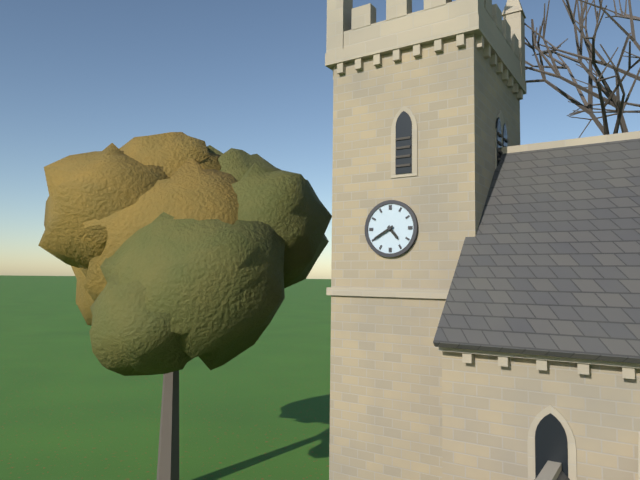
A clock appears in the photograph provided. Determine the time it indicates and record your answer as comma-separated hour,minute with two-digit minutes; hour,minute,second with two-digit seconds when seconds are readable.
4,40
